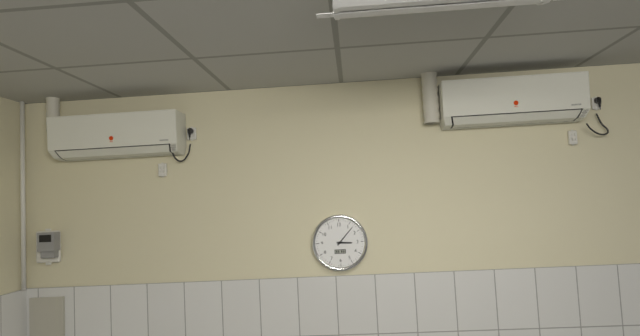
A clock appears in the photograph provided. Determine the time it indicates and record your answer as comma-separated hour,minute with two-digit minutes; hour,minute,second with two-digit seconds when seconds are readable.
3,07
